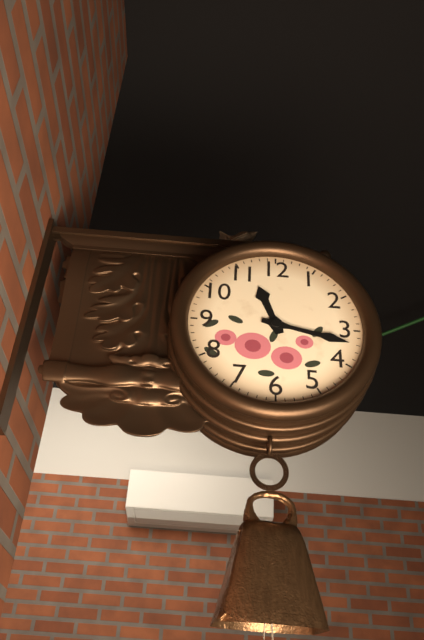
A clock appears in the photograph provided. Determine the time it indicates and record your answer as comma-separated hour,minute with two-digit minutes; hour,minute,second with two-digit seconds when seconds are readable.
11,17
